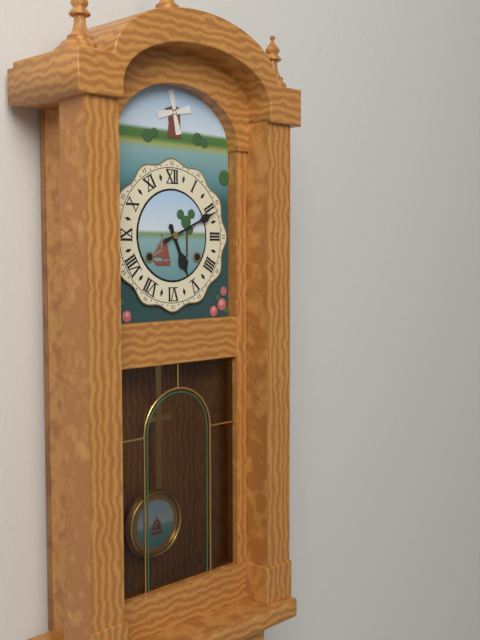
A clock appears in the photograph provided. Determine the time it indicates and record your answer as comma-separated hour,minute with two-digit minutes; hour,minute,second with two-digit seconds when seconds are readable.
5,11
